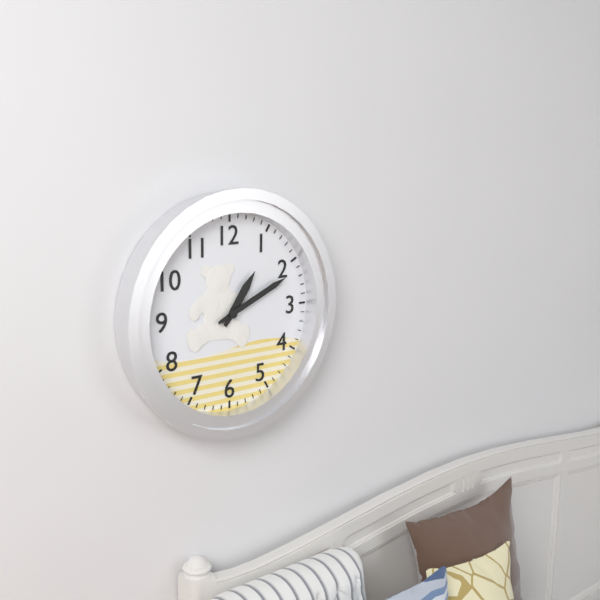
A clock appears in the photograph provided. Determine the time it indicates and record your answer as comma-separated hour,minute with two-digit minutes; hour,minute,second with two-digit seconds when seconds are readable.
1,11
